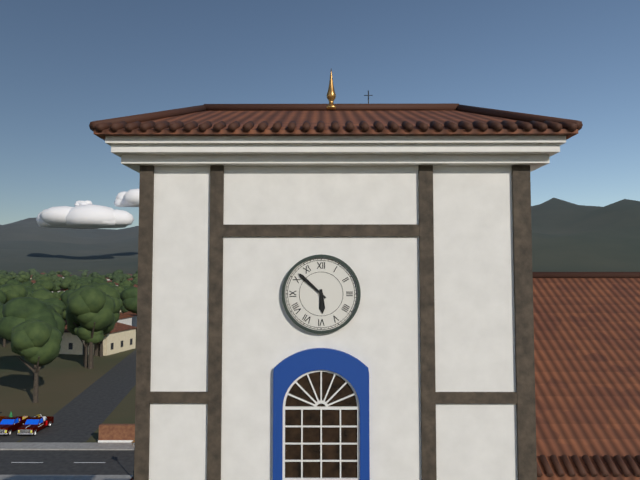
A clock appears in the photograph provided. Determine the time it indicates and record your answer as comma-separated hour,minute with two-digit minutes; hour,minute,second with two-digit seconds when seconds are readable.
5,52
